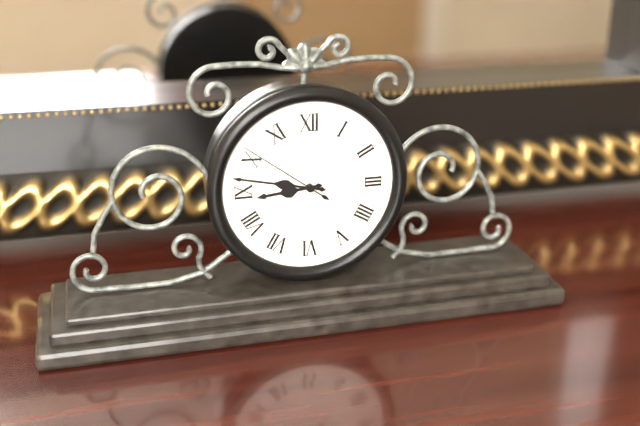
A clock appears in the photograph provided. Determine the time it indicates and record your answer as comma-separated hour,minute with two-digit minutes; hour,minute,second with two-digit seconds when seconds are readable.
8,47,51
